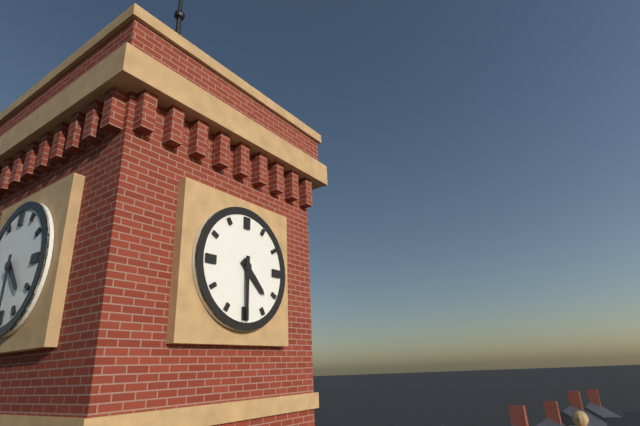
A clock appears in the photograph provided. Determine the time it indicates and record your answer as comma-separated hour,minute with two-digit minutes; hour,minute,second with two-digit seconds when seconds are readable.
4,30
